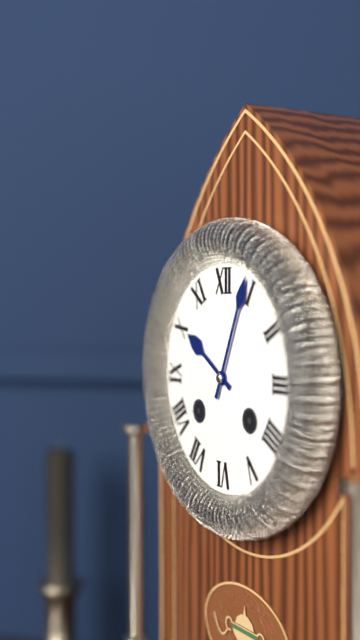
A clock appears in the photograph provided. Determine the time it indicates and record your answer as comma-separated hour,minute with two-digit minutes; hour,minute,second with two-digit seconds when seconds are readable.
10,04
